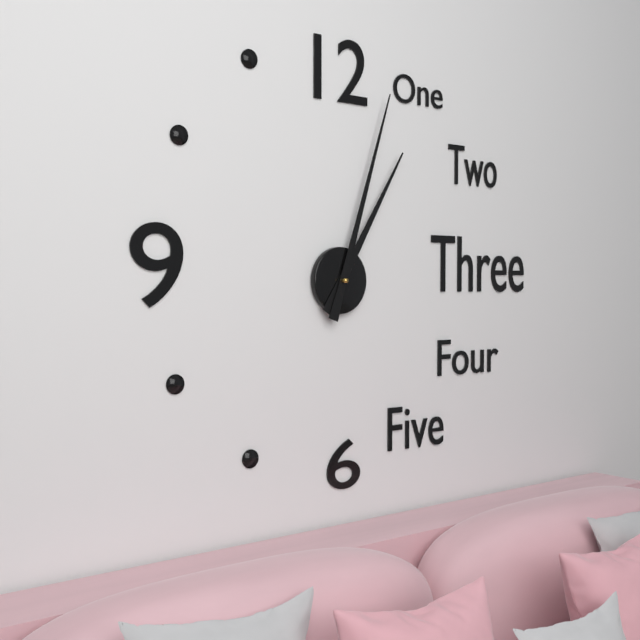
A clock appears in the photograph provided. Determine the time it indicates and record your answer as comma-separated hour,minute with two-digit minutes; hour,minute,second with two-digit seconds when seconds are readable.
1,03
